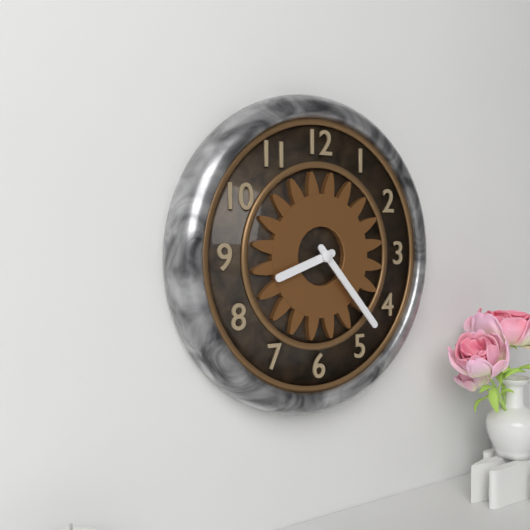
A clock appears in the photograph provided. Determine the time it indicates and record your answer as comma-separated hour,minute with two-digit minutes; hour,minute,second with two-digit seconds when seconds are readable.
8,23
